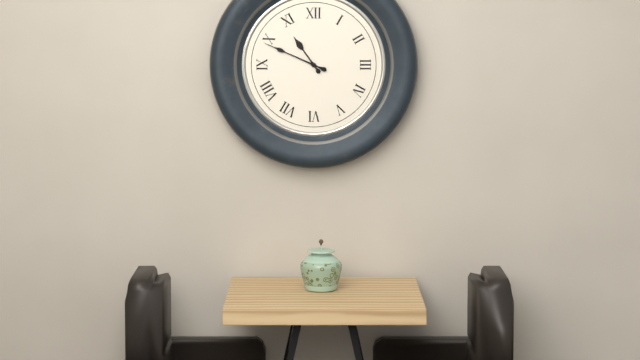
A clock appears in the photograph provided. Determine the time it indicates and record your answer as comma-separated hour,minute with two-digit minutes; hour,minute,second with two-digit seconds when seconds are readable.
10,49
